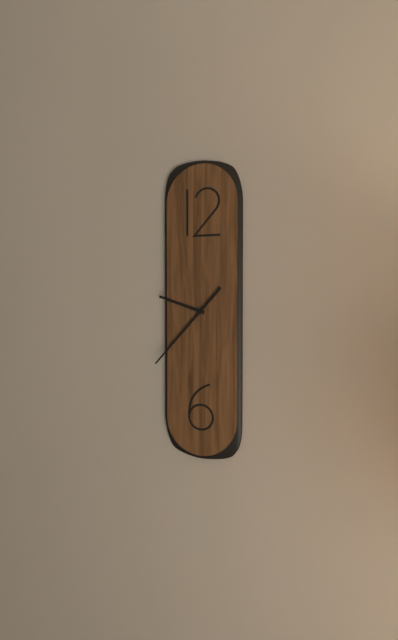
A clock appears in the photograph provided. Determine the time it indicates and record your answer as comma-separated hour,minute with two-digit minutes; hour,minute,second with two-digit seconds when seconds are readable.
9,37
